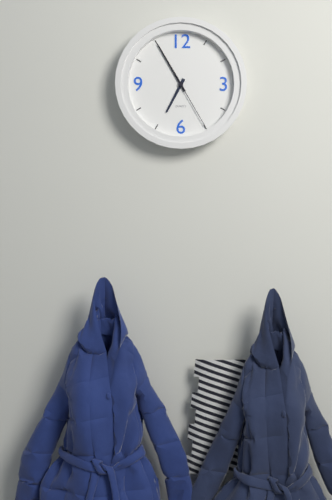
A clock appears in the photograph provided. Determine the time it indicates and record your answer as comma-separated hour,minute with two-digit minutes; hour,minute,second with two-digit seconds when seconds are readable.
6,55,25
